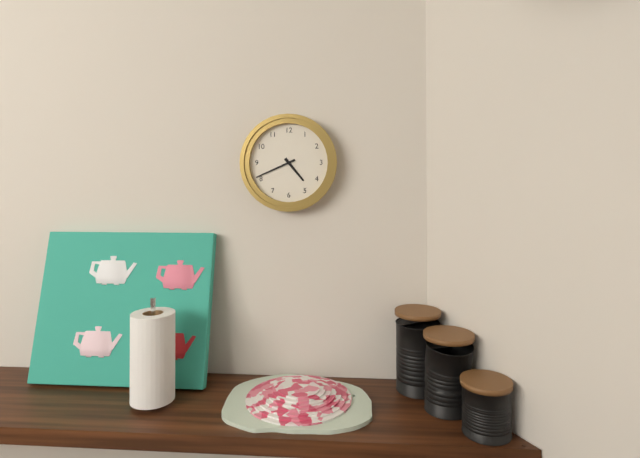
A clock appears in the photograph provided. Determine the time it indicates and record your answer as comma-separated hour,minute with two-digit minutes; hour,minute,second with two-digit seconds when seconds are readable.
4,41
